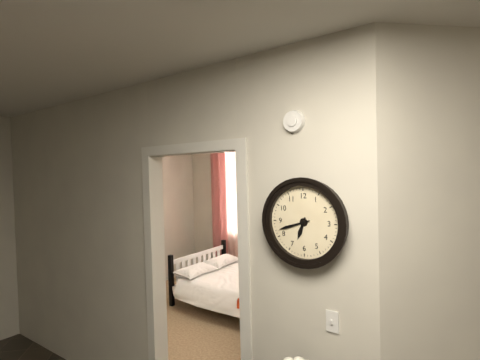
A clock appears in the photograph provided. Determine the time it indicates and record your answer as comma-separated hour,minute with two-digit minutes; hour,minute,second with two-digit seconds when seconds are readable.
6,42
